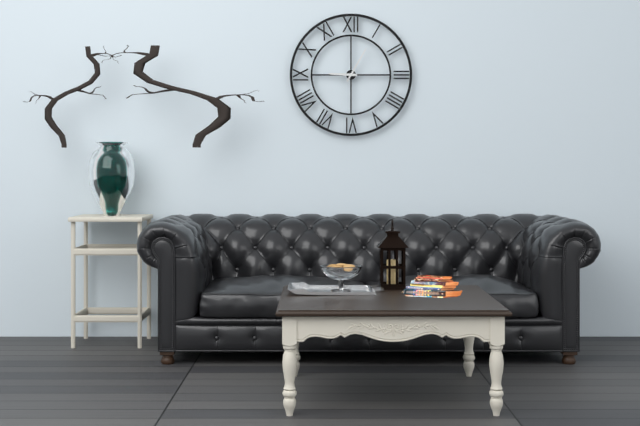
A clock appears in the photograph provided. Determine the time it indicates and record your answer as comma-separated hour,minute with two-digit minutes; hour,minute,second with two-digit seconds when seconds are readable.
9,05
